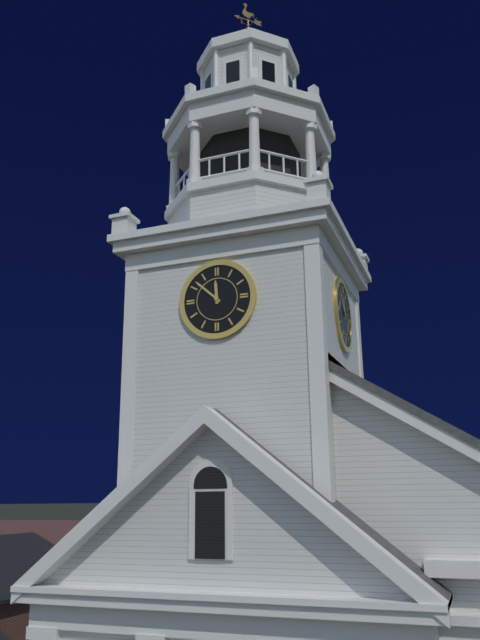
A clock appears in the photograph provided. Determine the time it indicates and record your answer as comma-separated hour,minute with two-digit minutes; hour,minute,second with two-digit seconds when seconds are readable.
11,52
